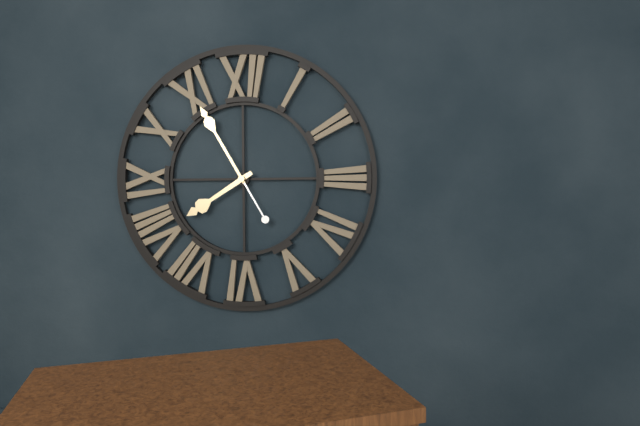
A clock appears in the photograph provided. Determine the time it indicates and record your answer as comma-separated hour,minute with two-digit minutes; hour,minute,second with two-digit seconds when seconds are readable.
7,55
